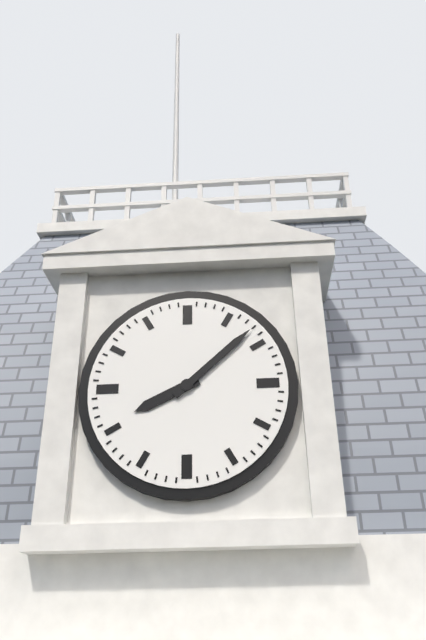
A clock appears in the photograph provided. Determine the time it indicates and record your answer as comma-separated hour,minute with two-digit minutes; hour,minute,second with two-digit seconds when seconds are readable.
8,08
